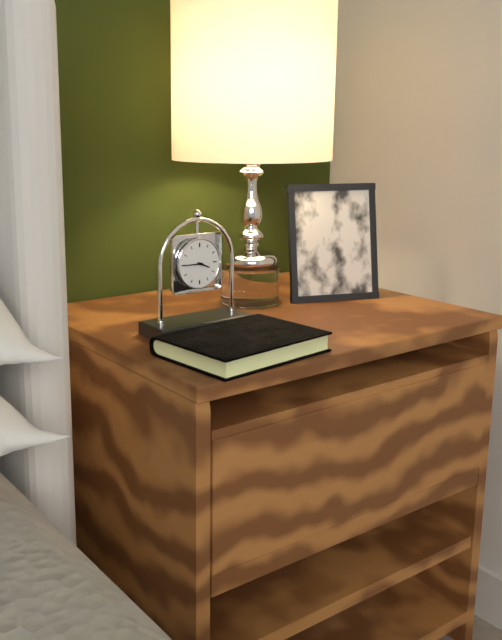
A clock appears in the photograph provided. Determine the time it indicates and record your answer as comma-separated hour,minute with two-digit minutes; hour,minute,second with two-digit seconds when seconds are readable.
3,45
